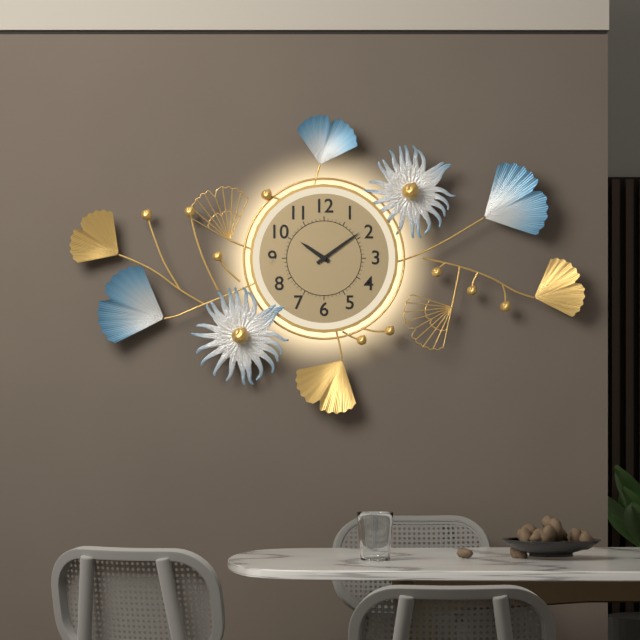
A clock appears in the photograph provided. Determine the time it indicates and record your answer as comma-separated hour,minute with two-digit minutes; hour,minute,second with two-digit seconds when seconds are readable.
10,09
